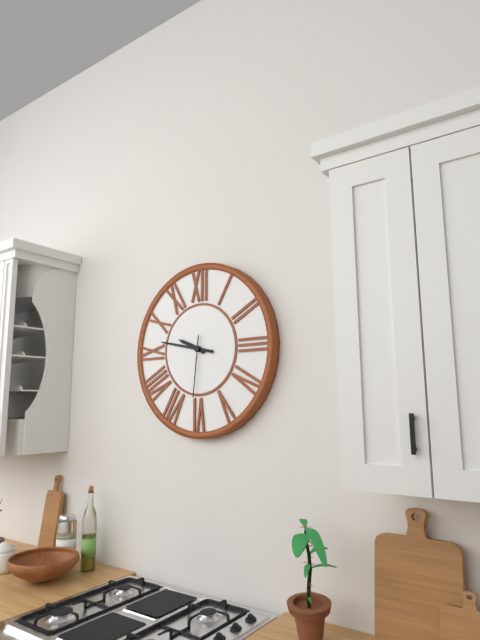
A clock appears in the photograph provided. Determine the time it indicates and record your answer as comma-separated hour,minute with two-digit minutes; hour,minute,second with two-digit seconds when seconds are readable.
9,47,31
